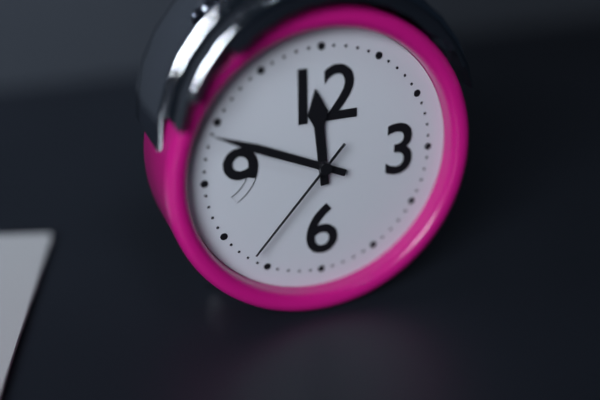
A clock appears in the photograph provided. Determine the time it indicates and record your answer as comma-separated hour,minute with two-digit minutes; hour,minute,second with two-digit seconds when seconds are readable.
11,49,37
